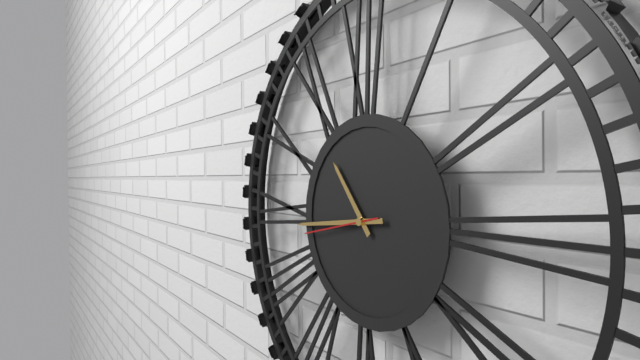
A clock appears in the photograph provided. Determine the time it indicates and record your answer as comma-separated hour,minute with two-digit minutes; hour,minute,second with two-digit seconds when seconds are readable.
10,44,43
